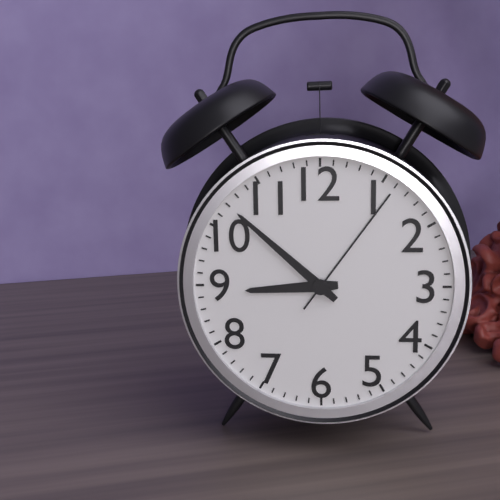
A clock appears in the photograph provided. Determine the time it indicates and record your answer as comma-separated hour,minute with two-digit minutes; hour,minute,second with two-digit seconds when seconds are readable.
8,52,06
